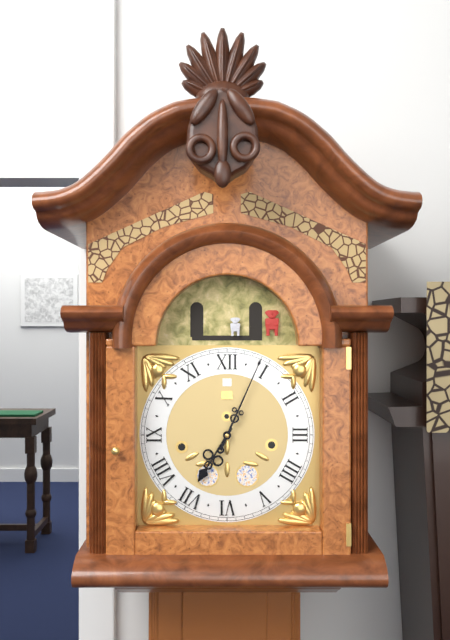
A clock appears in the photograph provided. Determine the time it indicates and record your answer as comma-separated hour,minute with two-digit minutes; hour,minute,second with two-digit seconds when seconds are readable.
7,04
